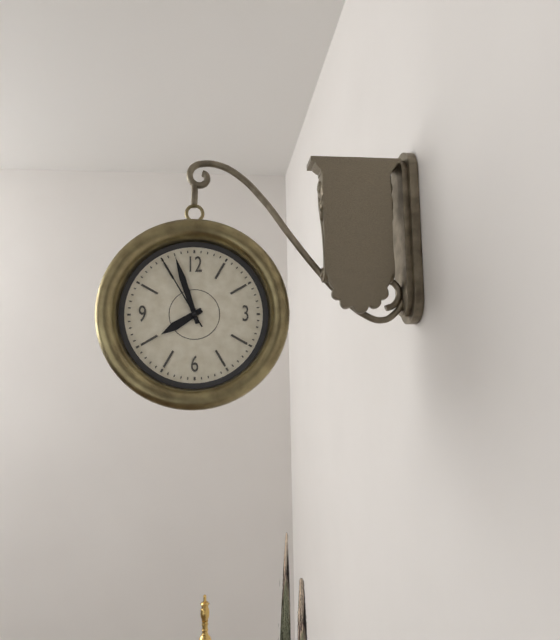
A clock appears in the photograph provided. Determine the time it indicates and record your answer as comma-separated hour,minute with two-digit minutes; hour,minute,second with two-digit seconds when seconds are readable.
7,57,55
